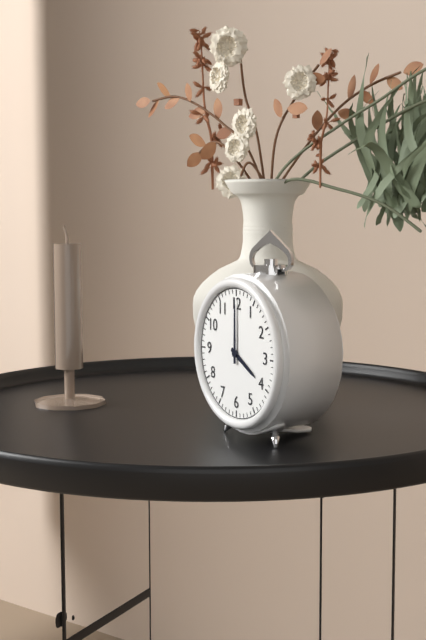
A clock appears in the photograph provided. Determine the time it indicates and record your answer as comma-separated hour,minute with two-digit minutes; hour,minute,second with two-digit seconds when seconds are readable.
4,00
